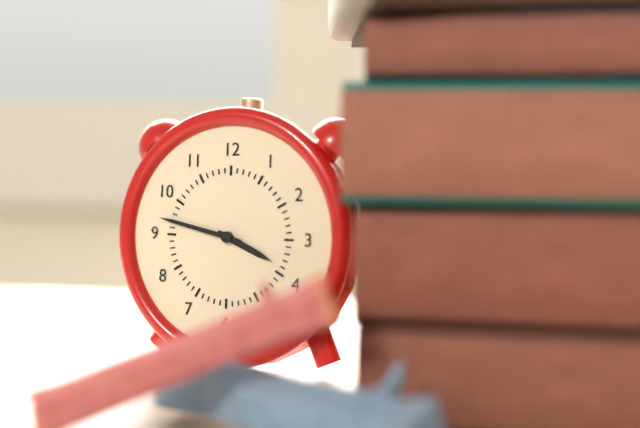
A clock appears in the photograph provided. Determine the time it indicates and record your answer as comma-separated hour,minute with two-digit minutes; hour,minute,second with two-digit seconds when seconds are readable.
3,47
